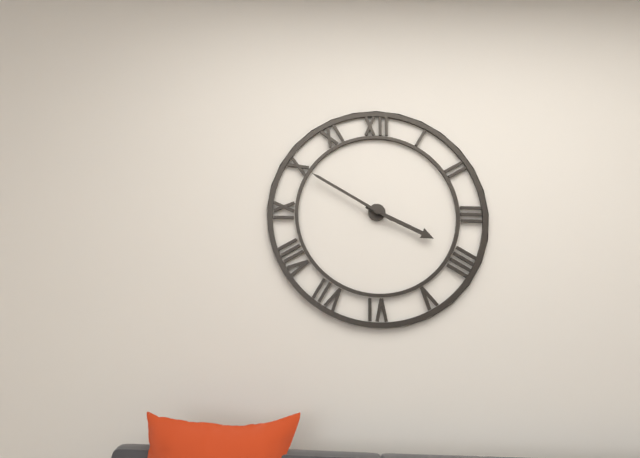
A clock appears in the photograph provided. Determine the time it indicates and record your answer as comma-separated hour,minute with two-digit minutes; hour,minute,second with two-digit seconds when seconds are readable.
3,50
